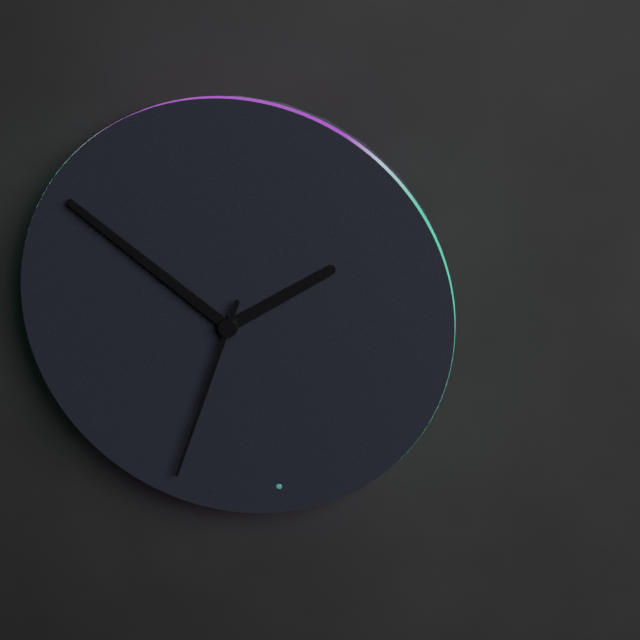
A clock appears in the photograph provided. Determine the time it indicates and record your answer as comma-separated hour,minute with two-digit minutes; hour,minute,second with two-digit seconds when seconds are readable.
1,51,33
